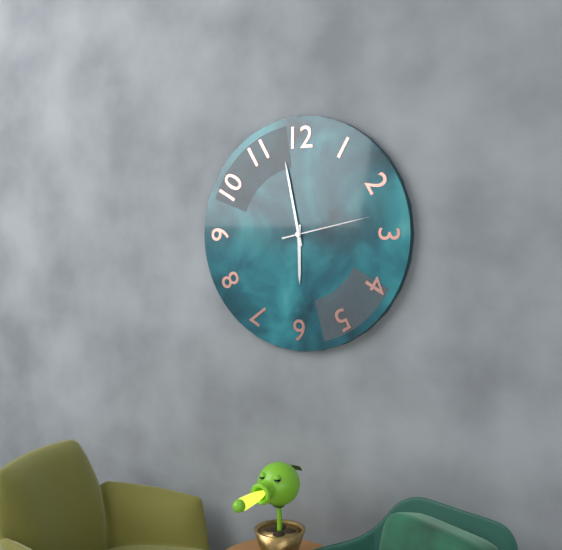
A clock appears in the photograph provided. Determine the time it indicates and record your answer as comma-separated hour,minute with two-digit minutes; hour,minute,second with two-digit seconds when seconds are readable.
5,58,13
